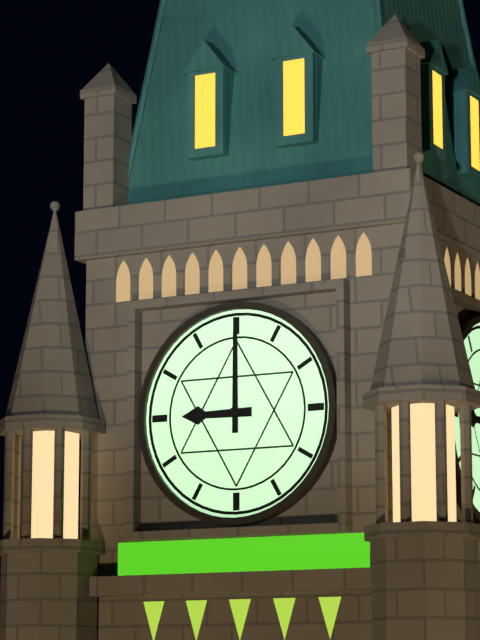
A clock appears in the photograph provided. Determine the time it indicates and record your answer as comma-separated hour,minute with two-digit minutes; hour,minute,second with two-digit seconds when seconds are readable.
9,00
